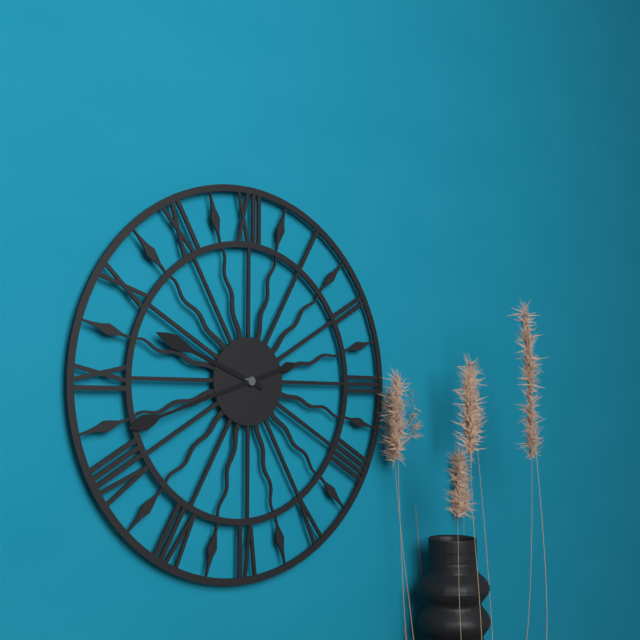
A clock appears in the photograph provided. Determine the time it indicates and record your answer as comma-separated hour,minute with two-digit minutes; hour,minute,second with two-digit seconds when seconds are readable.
9,42
